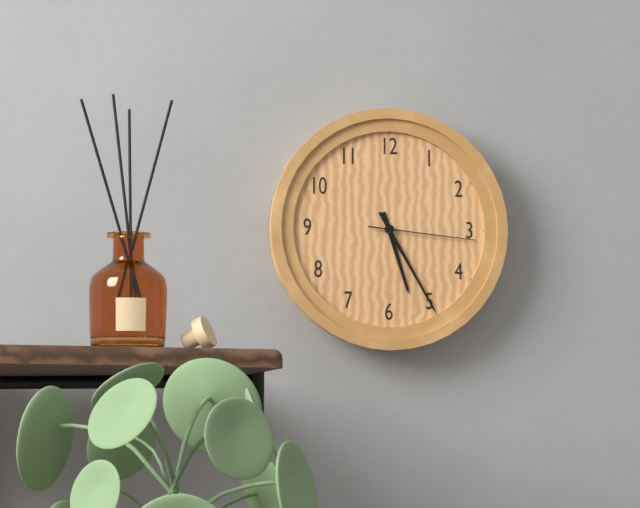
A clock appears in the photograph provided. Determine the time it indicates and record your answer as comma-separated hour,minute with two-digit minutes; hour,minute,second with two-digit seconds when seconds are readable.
5,25,16
